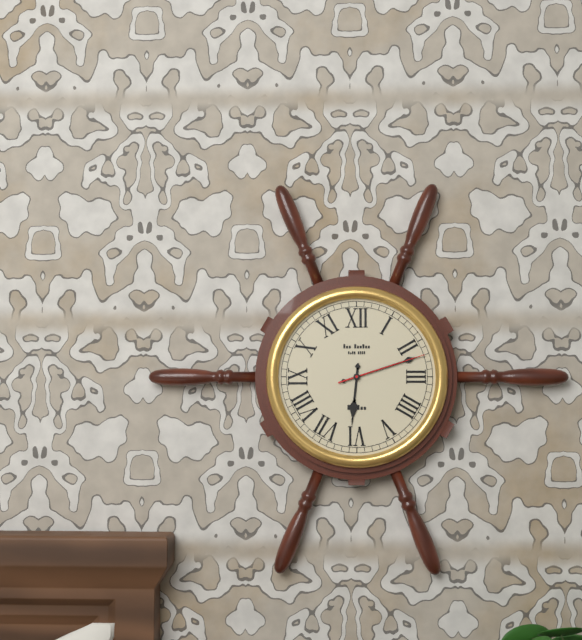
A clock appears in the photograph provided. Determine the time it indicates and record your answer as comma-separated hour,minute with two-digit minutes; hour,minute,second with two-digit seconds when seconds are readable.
6,12,12
